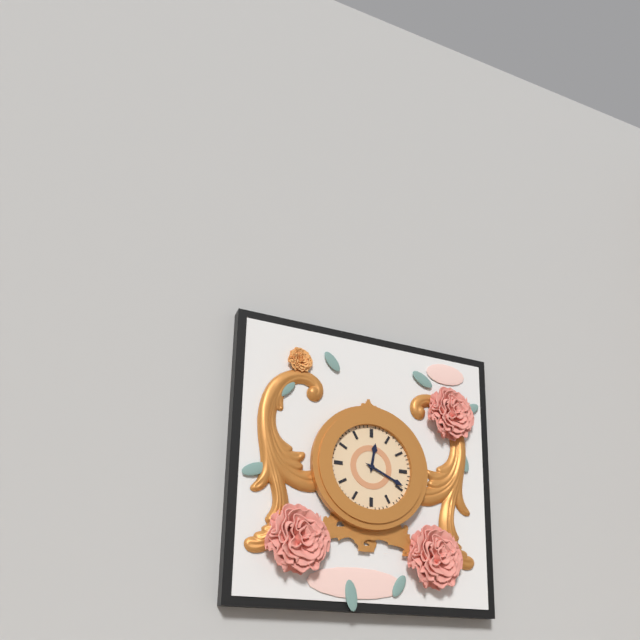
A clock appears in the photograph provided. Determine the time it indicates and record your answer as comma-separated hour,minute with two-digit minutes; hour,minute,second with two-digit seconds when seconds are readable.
12,19
